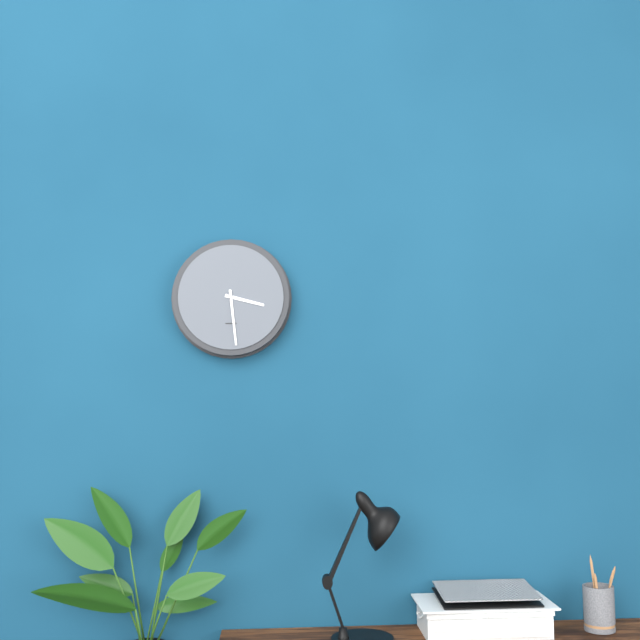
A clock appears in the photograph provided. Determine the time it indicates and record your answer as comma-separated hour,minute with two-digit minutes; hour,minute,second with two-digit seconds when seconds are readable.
3,29
